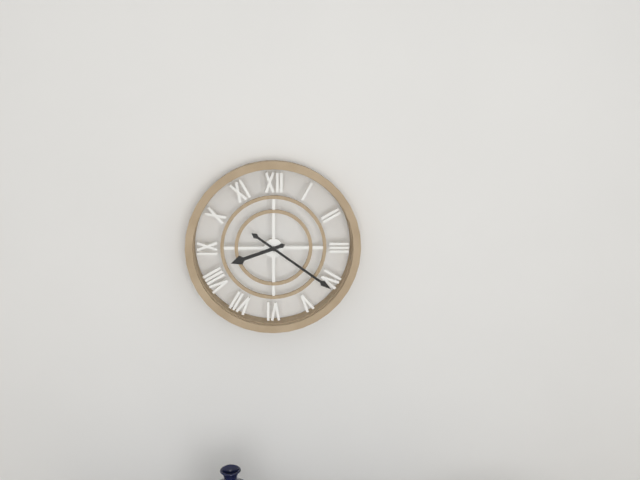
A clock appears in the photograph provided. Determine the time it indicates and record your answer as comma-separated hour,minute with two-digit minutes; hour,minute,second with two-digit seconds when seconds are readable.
8,21
